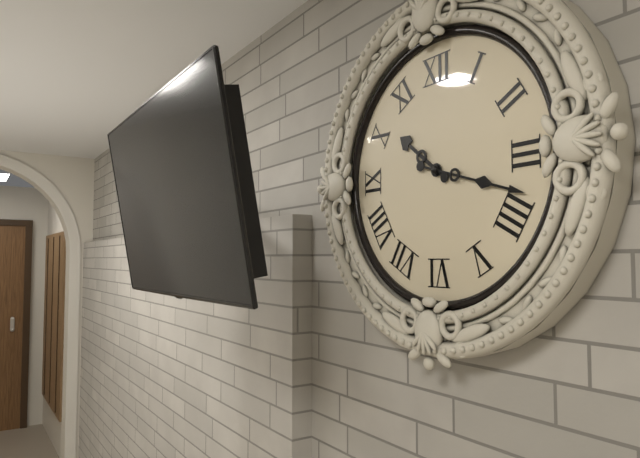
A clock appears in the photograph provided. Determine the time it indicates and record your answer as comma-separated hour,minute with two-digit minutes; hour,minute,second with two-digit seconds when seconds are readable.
10,18
